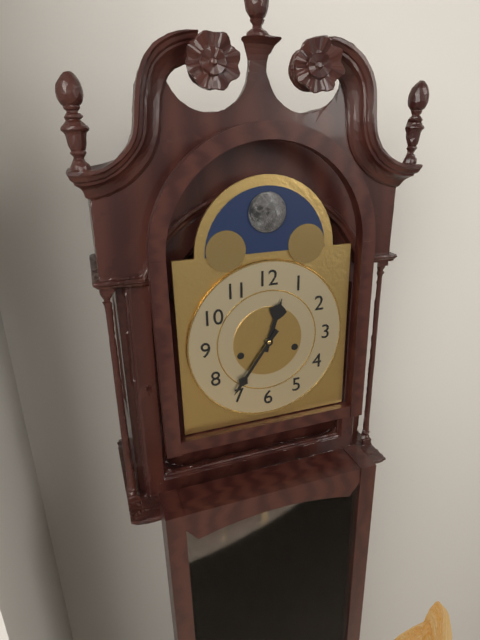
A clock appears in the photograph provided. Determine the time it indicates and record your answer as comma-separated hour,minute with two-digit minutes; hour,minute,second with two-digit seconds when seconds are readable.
12,36
